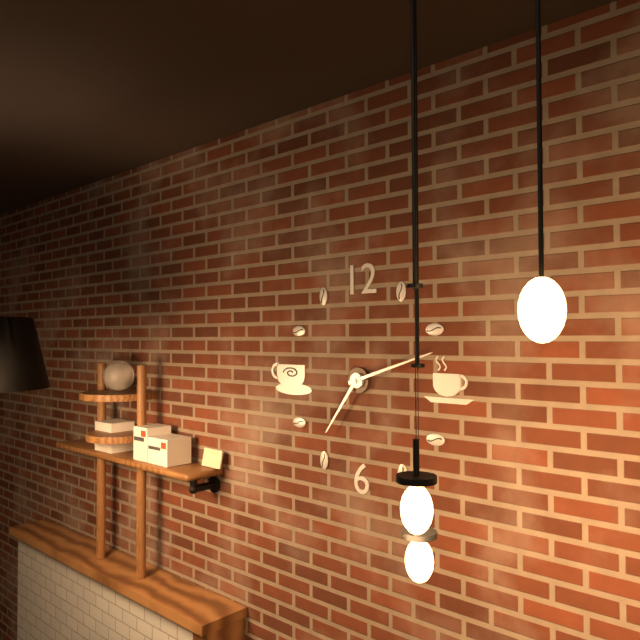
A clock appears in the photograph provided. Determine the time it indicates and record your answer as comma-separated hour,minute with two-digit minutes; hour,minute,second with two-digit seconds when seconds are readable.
7,12
